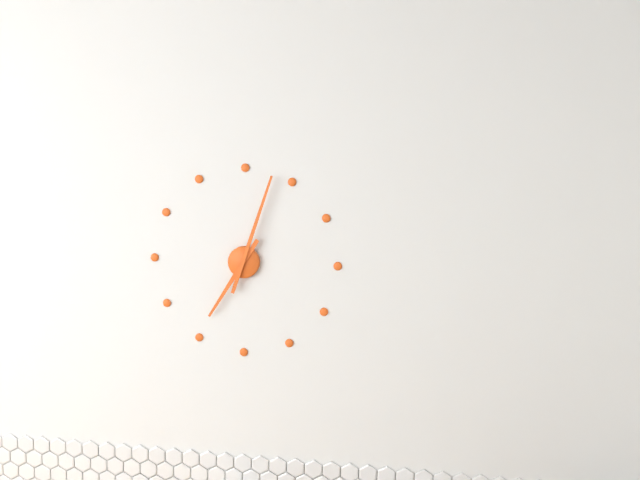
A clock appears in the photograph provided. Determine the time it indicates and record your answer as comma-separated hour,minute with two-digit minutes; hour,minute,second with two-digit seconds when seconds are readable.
7,03
